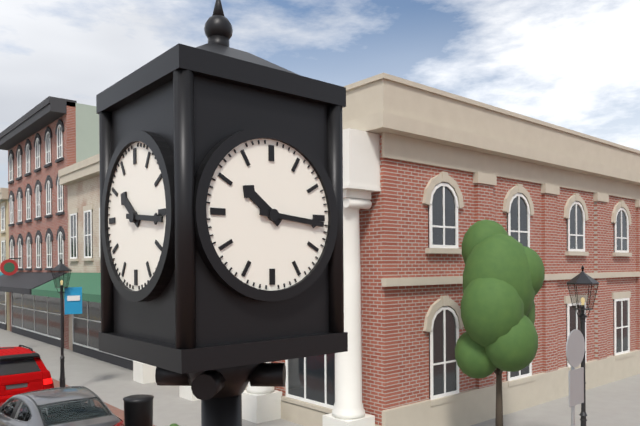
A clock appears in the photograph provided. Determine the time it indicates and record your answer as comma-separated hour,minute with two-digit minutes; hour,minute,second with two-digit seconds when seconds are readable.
10,16
